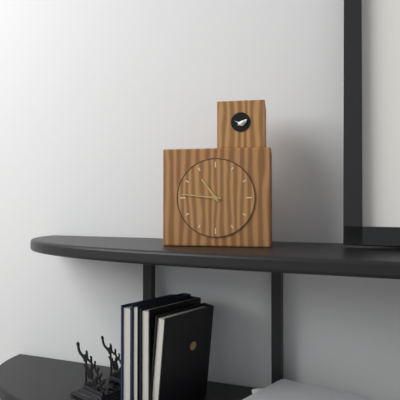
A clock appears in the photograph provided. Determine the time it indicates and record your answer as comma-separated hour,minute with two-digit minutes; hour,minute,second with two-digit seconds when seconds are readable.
10,46
